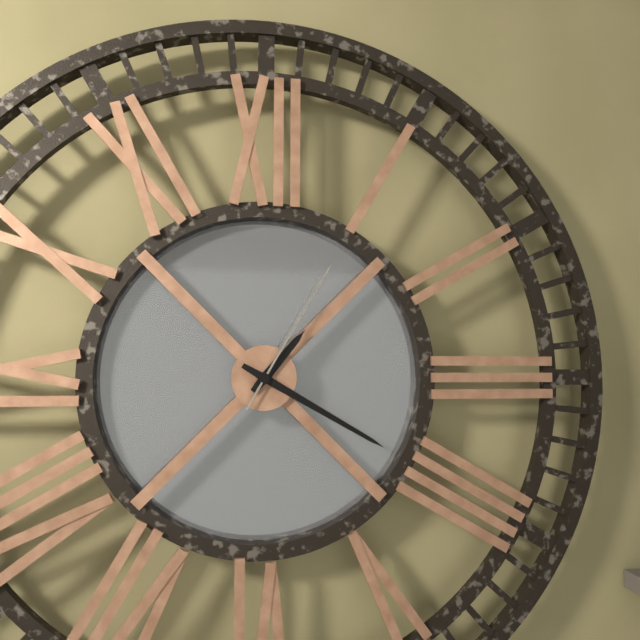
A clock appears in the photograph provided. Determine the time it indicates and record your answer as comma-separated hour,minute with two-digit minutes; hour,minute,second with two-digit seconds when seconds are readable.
1,20,05
